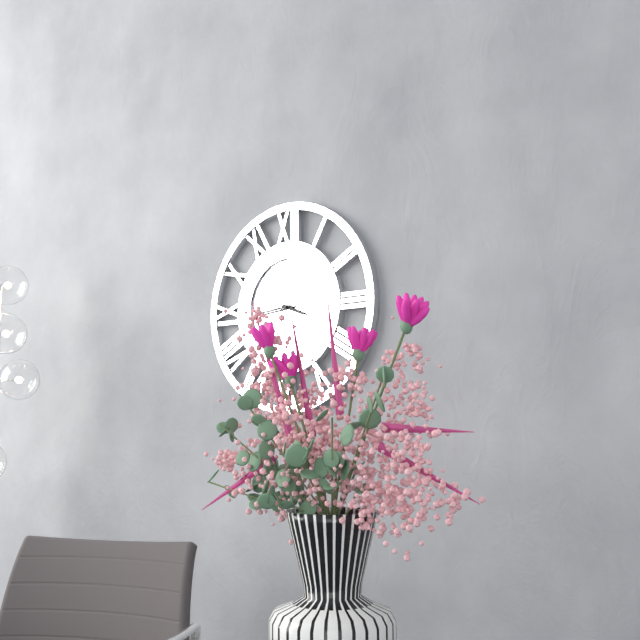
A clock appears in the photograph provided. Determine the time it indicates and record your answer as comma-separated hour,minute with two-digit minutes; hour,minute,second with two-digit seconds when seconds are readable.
3,44
